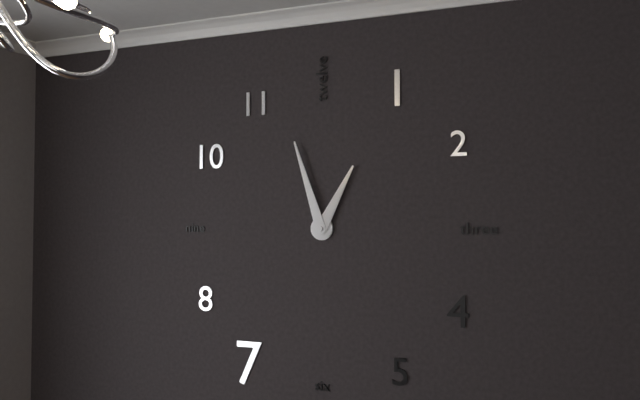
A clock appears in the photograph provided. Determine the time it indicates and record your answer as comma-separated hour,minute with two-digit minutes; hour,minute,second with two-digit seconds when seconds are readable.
12,57
